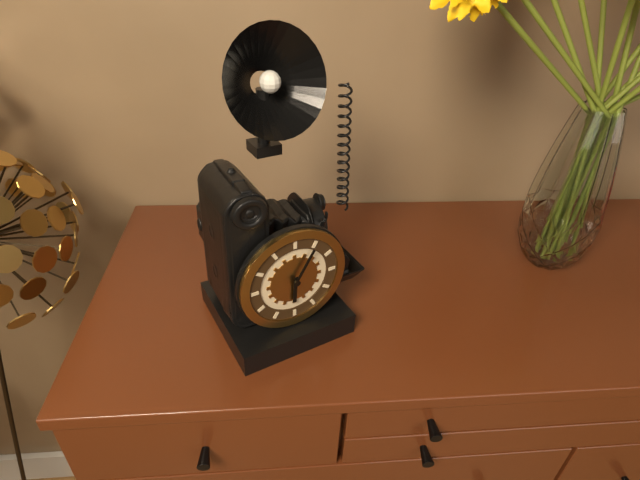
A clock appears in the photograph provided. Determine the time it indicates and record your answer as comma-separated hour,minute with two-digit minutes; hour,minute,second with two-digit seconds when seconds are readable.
6,05
